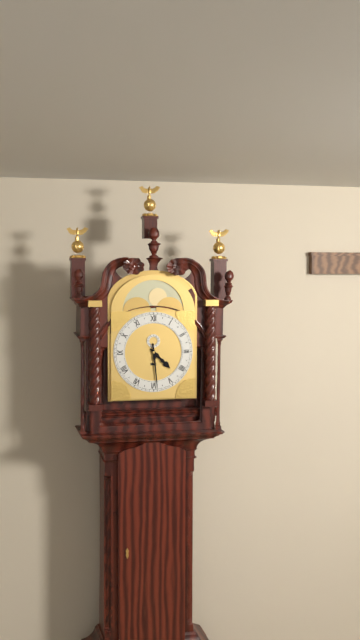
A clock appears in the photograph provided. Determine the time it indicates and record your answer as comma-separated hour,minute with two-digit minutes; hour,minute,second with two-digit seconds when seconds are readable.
4,29
